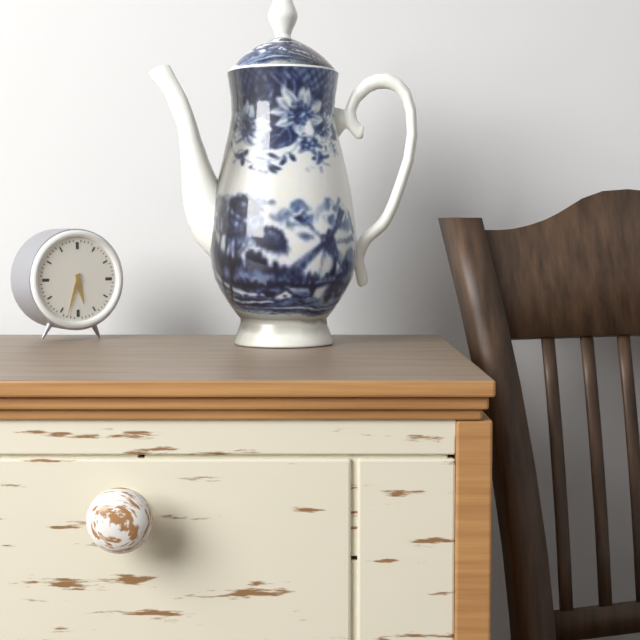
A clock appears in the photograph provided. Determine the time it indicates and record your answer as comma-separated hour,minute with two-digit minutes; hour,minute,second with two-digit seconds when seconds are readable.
5,33
